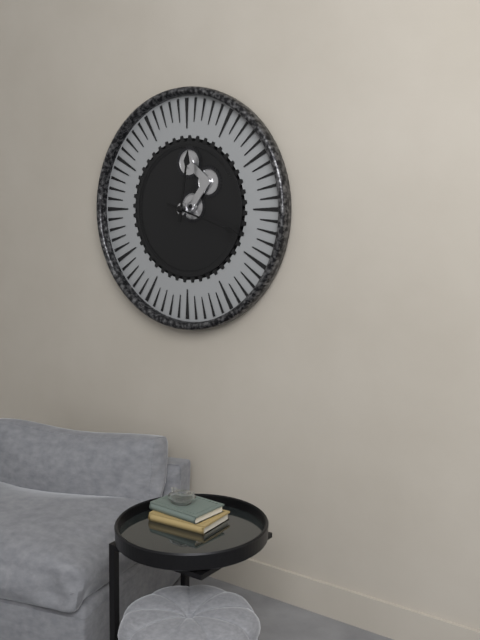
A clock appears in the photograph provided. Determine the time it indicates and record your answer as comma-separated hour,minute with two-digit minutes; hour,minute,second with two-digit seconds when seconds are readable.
12,18
